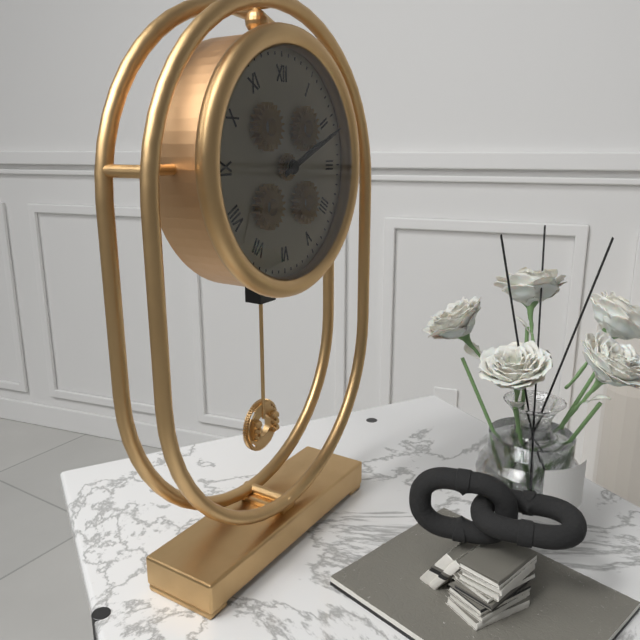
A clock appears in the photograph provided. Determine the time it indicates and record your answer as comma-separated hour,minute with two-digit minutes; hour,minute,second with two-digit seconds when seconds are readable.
2,11
